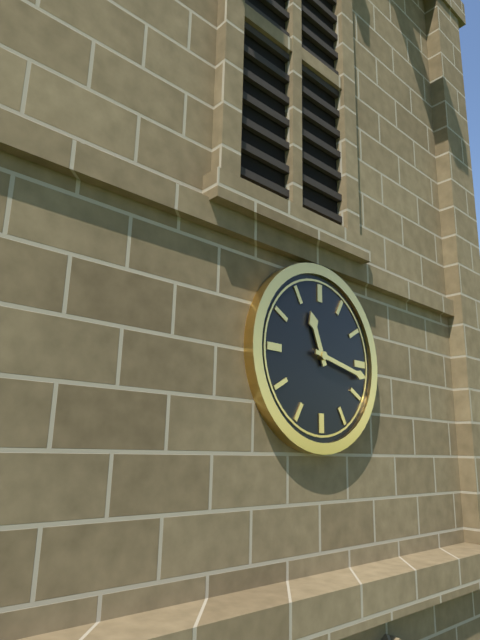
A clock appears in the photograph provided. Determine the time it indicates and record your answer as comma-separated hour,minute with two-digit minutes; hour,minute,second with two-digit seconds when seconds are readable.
11,17
